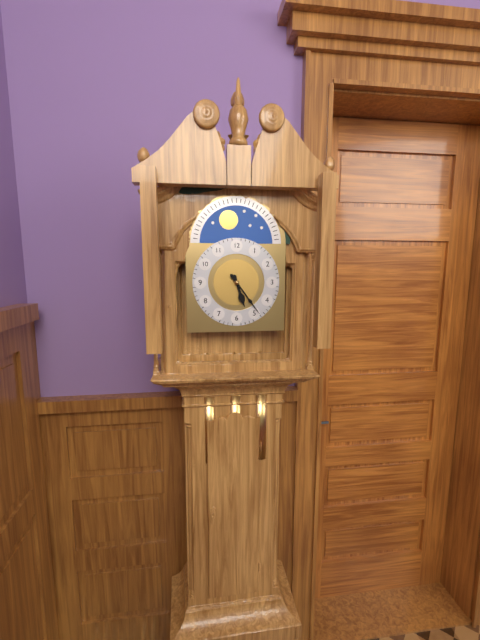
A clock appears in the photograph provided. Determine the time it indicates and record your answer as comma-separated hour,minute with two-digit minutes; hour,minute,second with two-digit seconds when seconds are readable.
5,24
